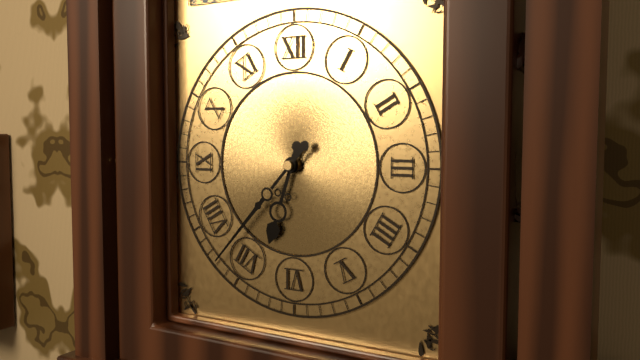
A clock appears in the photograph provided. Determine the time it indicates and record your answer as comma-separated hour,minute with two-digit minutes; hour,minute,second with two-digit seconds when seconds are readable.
6,37
